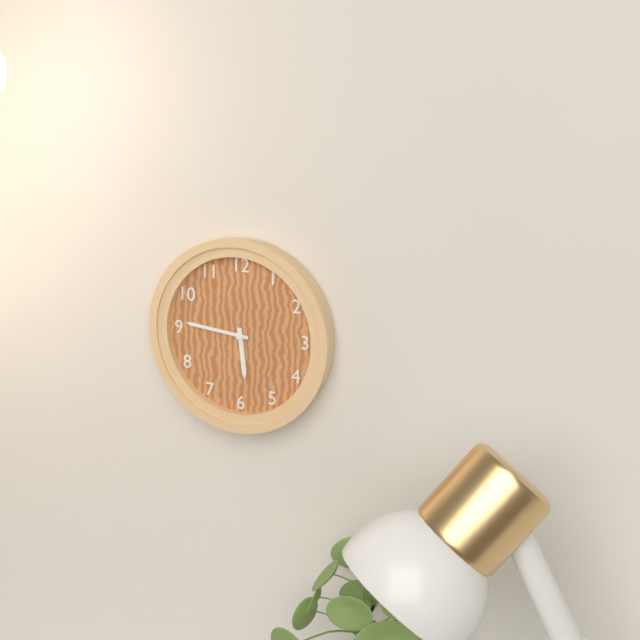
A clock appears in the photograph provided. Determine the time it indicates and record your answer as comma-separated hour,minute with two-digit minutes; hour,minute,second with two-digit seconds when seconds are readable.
5,46
